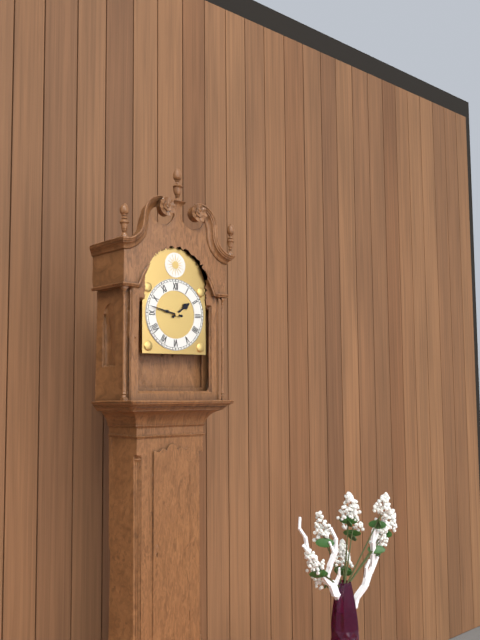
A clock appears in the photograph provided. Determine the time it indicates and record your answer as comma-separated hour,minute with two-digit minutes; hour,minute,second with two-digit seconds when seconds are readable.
1,47
